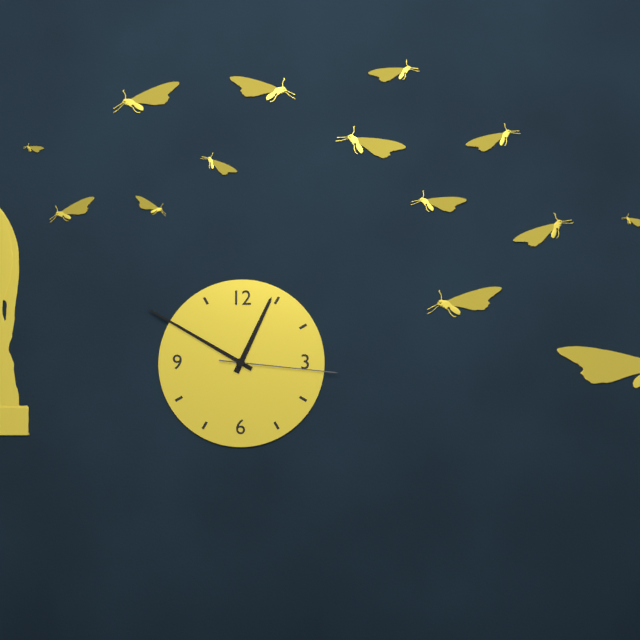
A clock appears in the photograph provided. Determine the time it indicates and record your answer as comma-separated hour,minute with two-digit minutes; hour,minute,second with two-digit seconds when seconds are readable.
12,50,16
